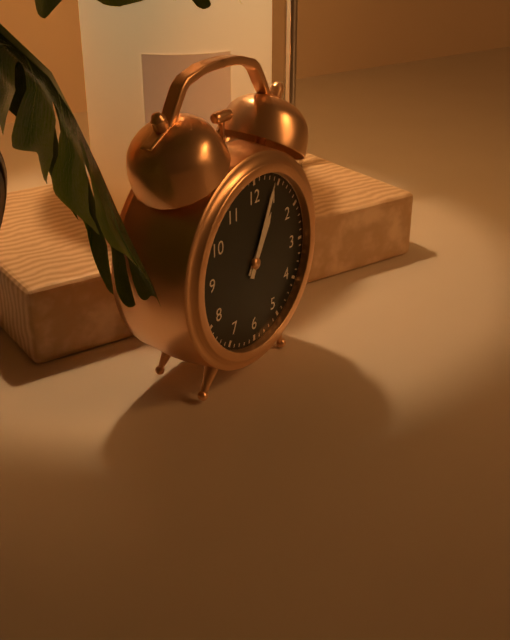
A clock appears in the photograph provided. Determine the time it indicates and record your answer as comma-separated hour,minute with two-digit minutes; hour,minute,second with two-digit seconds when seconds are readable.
1,04
